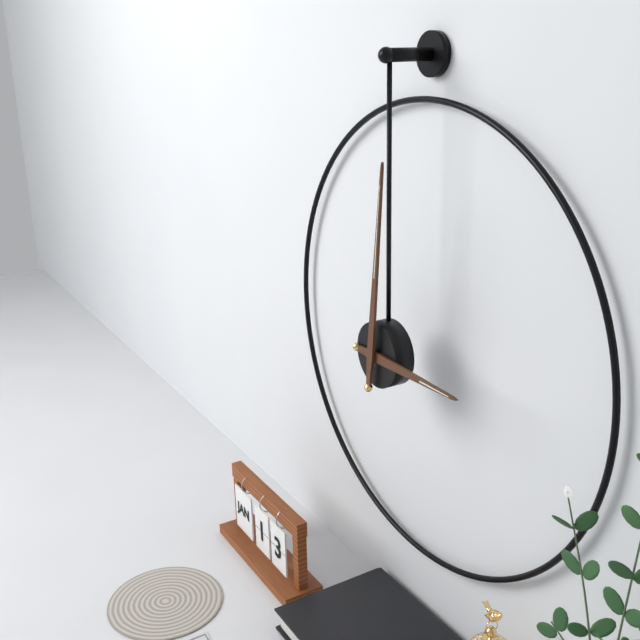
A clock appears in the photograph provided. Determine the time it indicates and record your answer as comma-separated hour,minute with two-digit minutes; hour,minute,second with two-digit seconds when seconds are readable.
3,01
